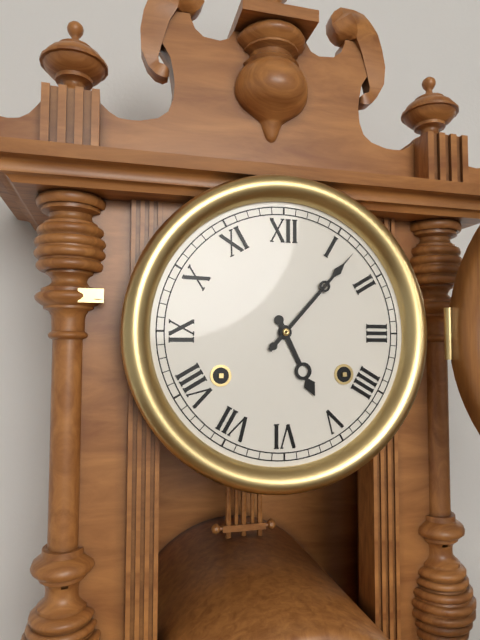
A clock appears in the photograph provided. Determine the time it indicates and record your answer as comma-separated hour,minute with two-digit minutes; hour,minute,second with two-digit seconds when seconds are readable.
5,07
